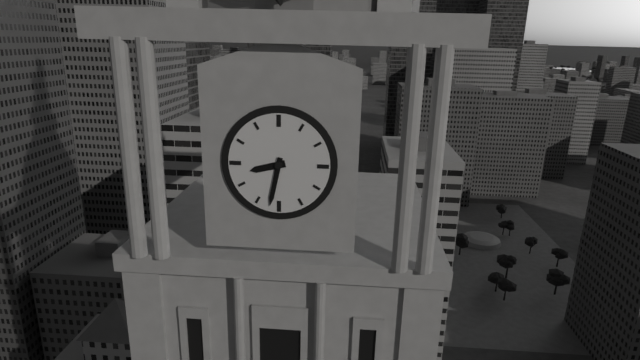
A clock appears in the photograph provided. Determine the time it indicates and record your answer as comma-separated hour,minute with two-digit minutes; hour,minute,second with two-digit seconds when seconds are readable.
8,32
